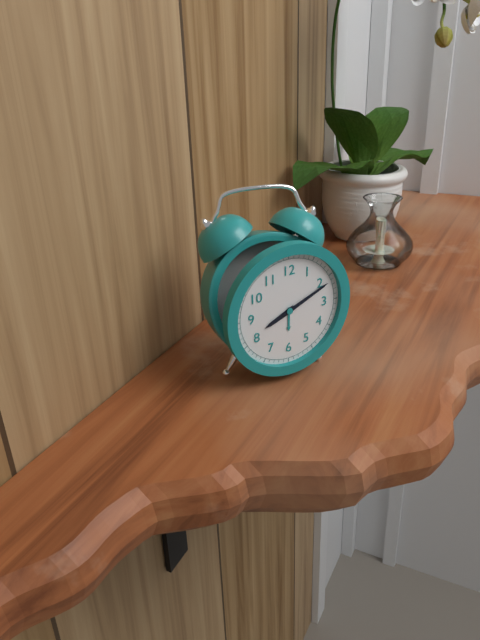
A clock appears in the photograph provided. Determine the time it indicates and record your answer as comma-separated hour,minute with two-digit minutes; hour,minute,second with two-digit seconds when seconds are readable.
8,11
